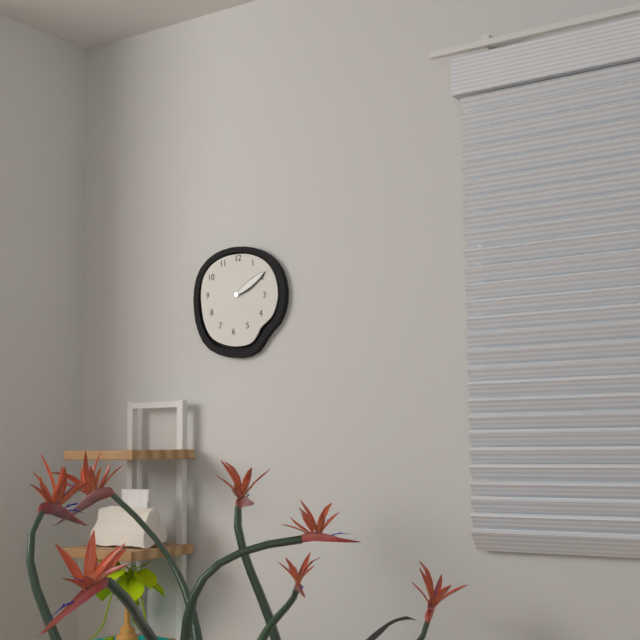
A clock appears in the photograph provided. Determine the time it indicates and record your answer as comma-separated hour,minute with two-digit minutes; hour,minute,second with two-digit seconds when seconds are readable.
2,10
